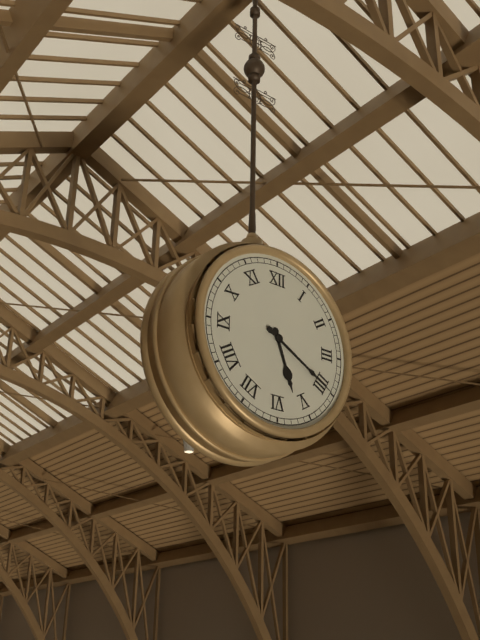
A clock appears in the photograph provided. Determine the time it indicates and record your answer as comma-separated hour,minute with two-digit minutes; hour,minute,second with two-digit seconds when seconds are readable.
5,20
